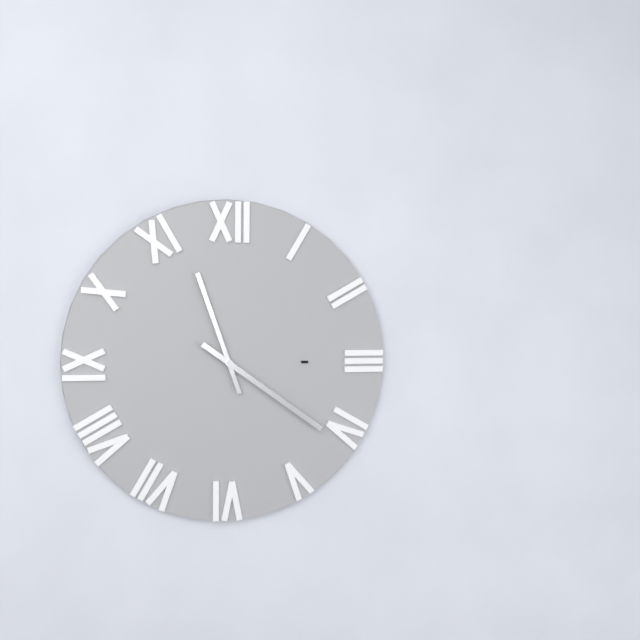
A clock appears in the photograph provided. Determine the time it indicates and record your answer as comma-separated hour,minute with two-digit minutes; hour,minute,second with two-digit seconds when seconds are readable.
11,21
